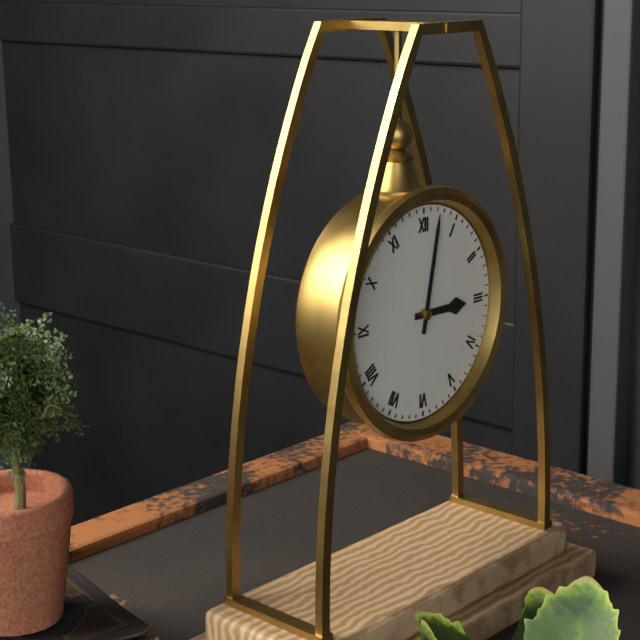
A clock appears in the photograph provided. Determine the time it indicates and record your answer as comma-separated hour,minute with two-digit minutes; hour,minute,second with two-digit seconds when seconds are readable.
3,02
